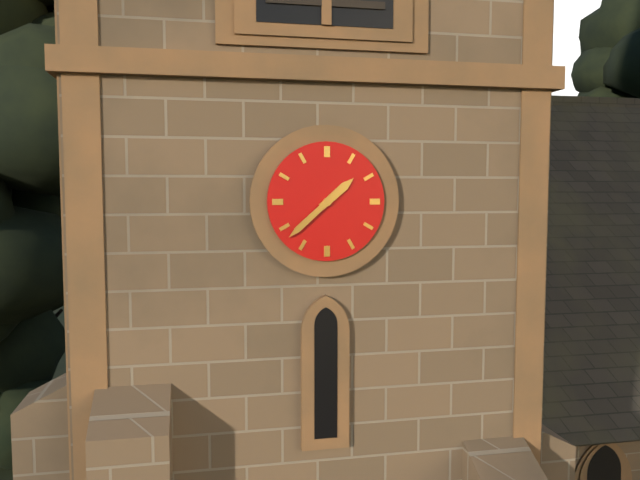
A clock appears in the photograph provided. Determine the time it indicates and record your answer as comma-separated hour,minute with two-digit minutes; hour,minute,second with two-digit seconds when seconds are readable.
1,38
